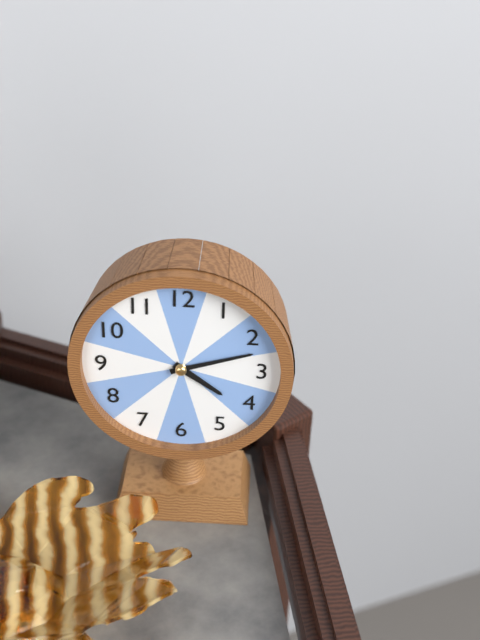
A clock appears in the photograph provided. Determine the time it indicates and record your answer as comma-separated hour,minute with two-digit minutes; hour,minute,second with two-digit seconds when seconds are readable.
4,12
